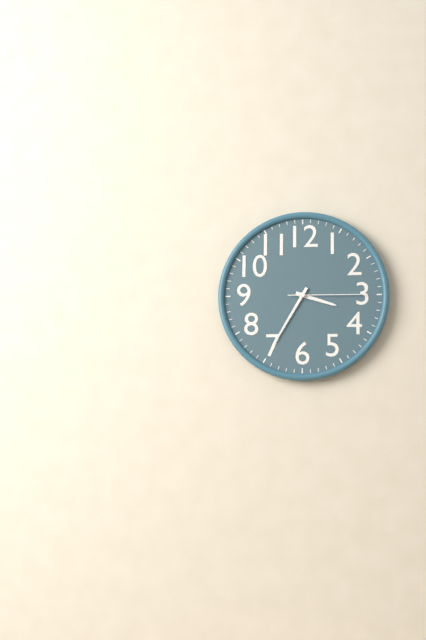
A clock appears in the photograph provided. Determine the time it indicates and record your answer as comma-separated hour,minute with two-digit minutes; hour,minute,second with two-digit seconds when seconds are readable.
3,35,15
